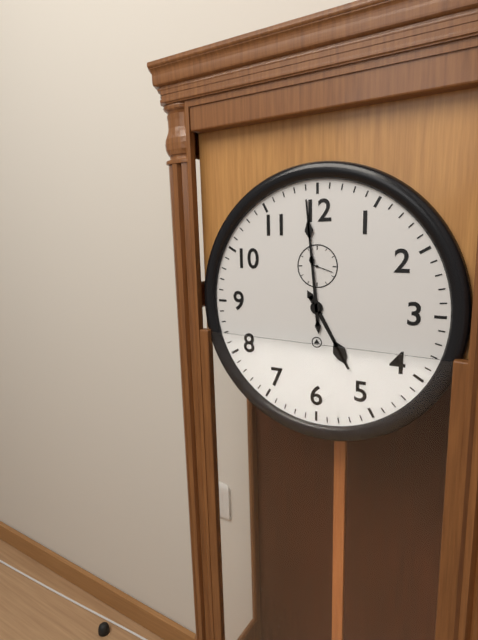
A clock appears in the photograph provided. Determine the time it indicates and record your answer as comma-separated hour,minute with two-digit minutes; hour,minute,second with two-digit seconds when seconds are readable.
4,59
